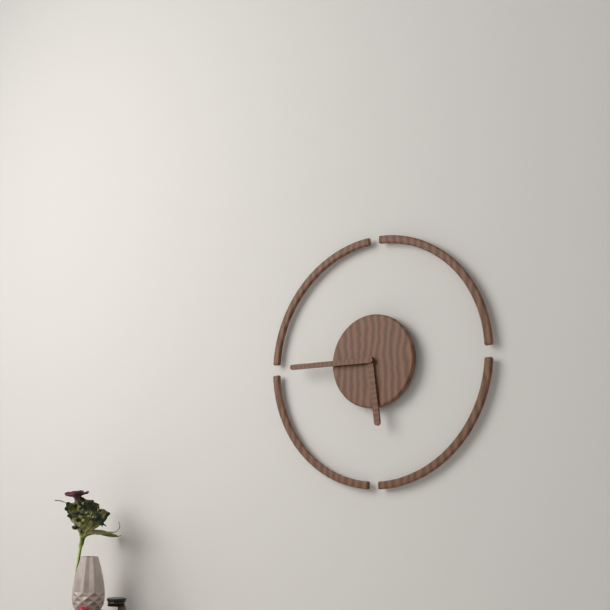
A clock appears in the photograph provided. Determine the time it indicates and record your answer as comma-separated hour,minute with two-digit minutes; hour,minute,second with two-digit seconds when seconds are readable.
5,45
